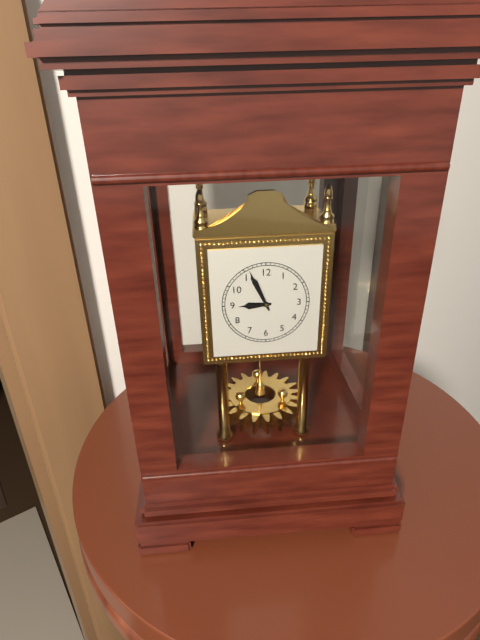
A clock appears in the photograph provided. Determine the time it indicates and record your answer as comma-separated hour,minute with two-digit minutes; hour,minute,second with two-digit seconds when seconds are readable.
8,56
